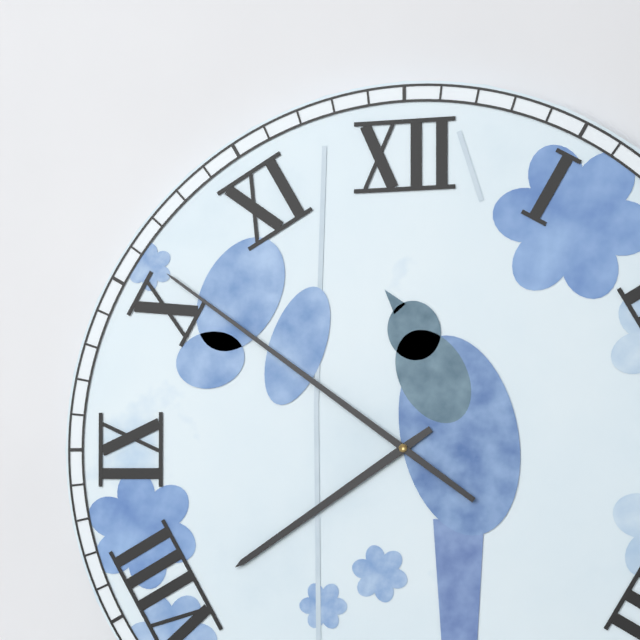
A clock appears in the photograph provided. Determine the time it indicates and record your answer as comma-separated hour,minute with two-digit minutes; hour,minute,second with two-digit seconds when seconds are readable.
7,51
